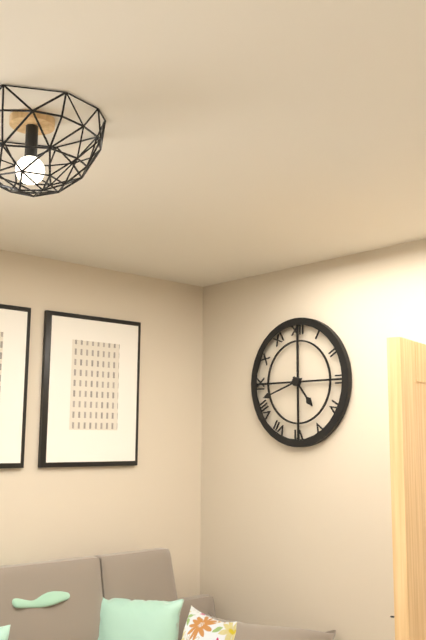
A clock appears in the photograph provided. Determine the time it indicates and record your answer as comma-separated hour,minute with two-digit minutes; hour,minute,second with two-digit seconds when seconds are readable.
4,42
